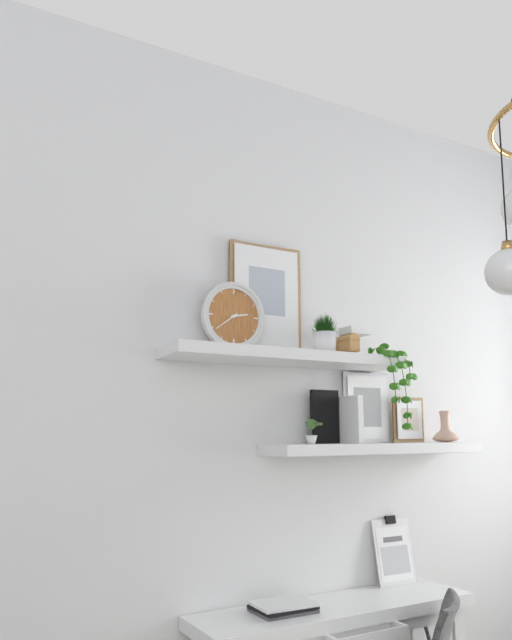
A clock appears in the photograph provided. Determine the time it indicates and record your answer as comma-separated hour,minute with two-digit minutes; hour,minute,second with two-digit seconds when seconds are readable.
2,39
